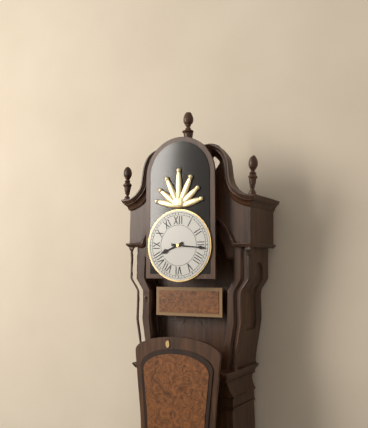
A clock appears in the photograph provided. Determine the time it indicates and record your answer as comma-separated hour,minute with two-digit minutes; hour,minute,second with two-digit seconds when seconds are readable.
8,16
